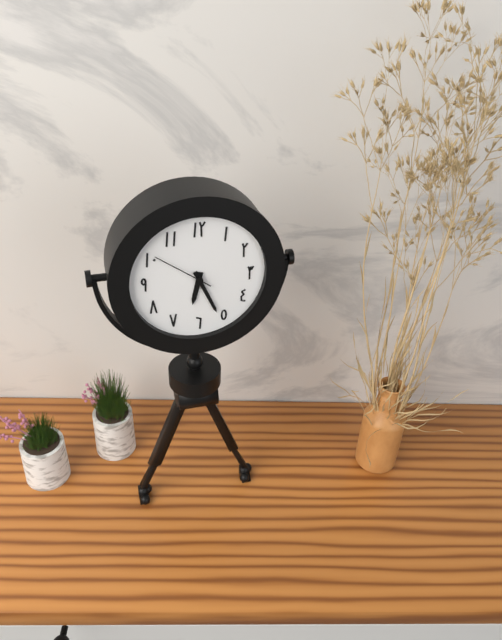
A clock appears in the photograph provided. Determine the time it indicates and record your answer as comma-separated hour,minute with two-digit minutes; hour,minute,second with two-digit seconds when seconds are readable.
6,26,51
